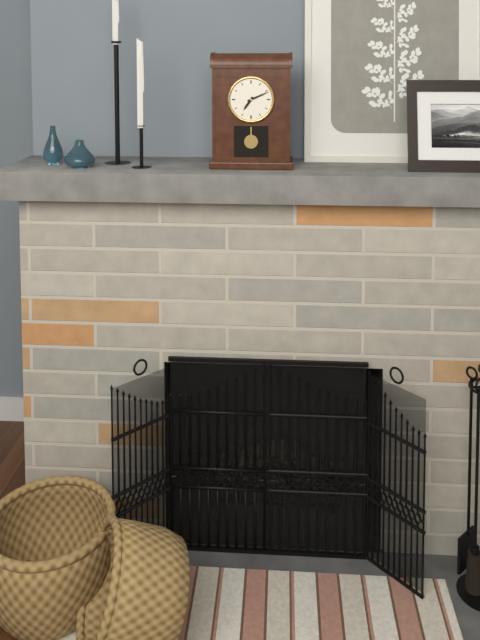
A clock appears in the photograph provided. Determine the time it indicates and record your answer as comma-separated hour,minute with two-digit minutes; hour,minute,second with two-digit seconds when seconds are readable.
7,11
